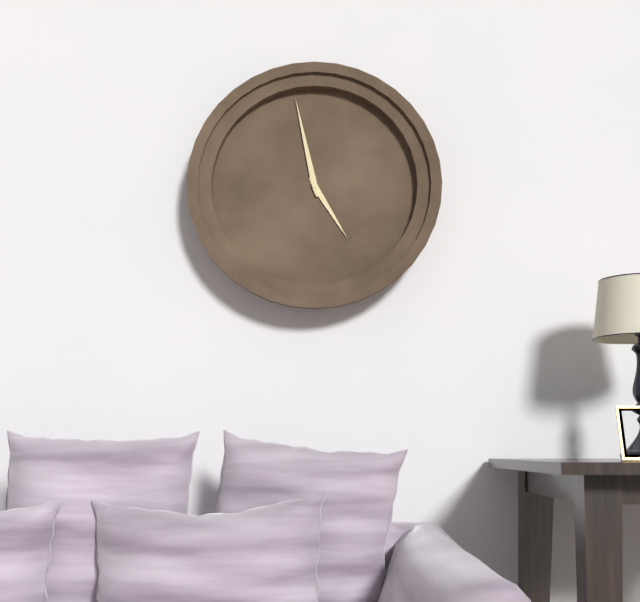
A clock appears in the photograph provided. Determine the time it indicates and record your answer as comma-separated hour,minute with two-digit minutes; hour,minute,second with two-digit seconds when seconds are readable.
4,58
